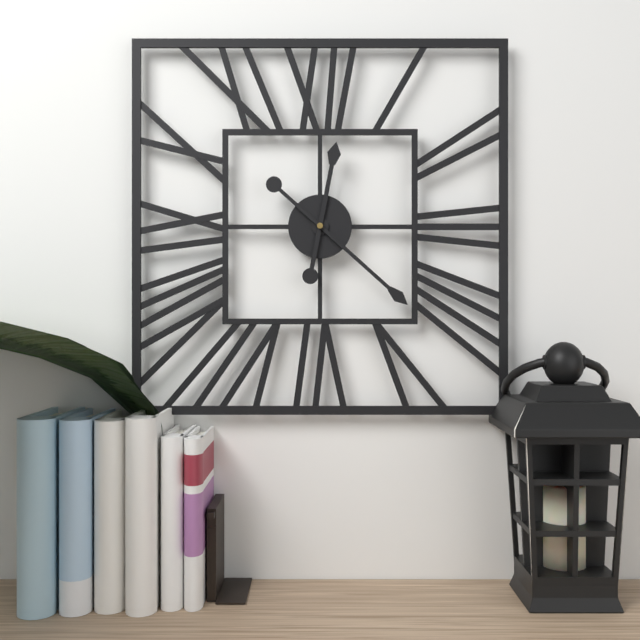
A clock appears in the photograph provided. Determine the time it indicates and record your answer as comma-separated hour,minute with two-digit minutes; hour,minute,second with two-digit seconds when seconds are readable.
12,22
